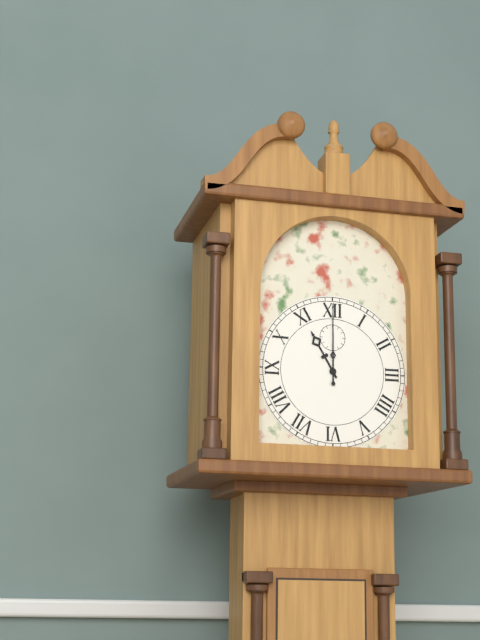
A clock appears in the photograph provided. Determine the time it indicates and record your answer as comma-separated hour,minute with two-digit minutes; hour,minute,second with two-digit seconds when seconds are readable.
11,00
